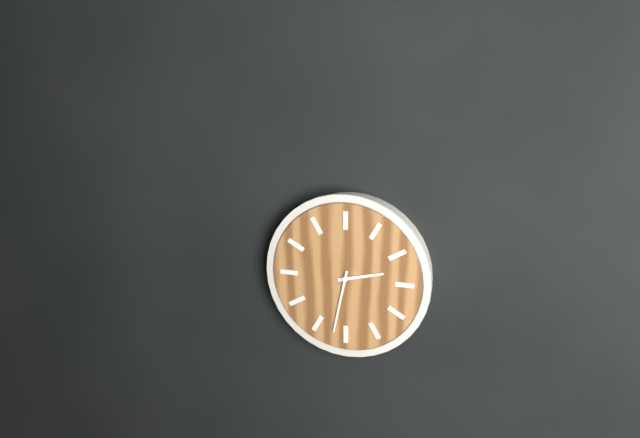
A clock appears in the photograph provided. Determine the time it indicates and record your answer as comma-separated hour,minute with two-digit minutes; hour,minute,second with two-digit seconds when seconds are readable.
2,32
